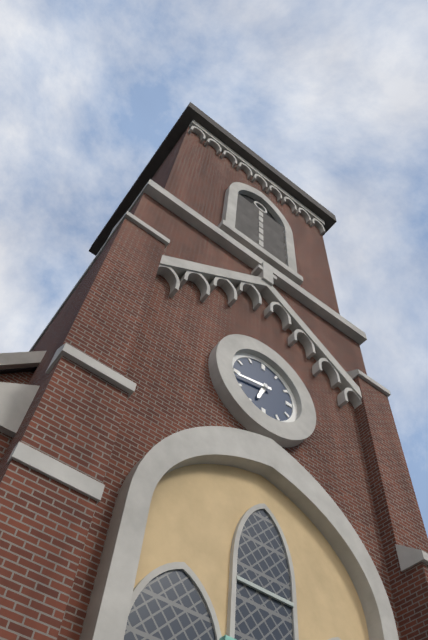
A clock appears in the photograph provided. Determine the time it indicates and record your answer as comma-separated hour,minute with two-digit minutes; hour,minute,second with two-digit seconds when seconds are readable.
6,43
